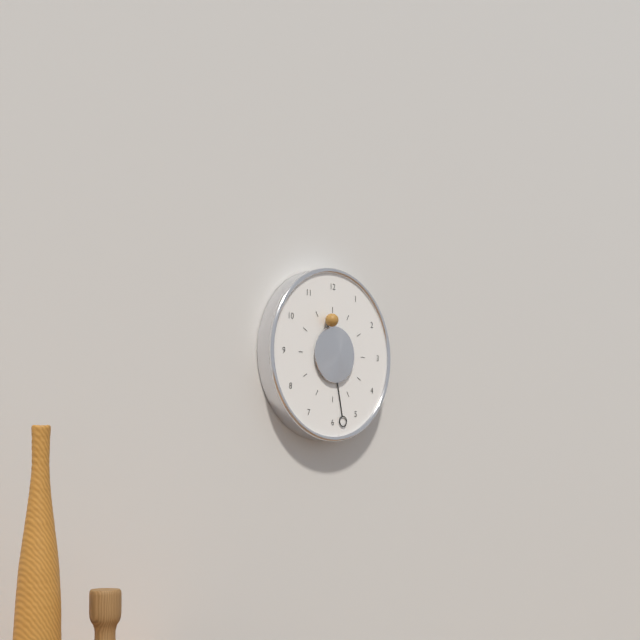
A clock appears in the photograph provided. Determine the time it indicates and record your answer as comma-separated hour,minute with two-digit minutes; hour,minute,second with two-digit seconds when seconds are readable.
11,28
